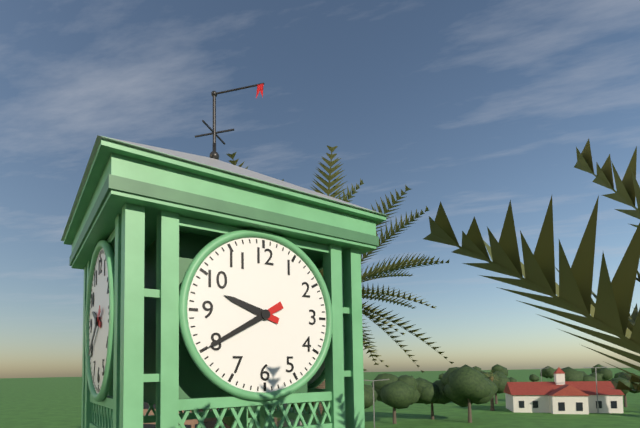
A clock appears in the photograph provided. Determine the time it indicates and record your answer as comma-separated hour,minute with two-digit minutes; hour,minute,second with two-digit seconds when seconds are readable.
9,40
